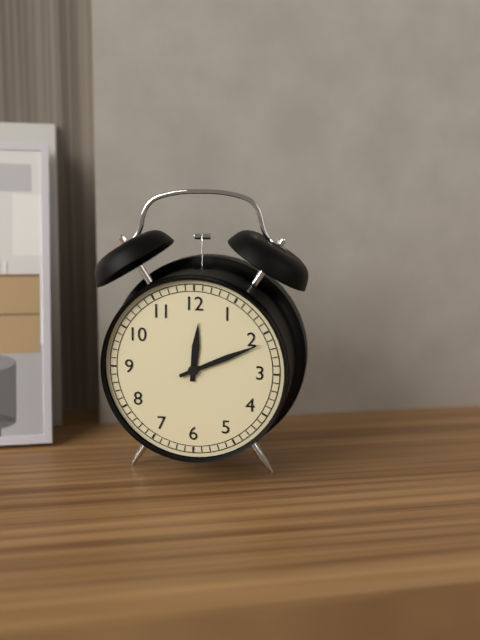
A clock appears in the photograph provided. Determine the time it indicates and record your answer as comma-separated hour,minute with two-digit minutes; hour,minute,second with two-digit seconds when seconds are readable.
12,11
